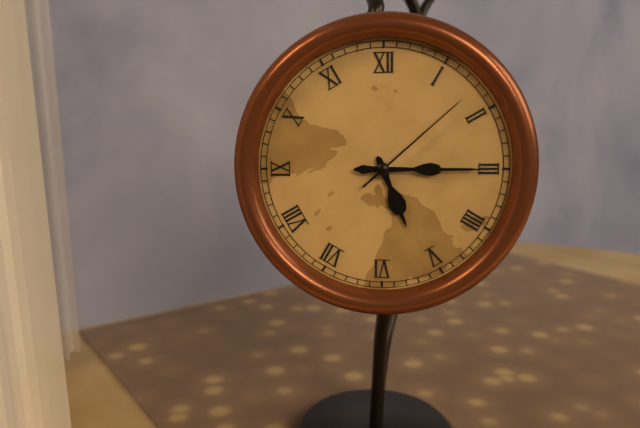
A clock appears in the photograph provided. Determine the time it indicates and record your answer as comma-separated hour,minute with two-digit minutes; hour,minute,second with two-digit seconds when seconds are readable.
5,15,08
